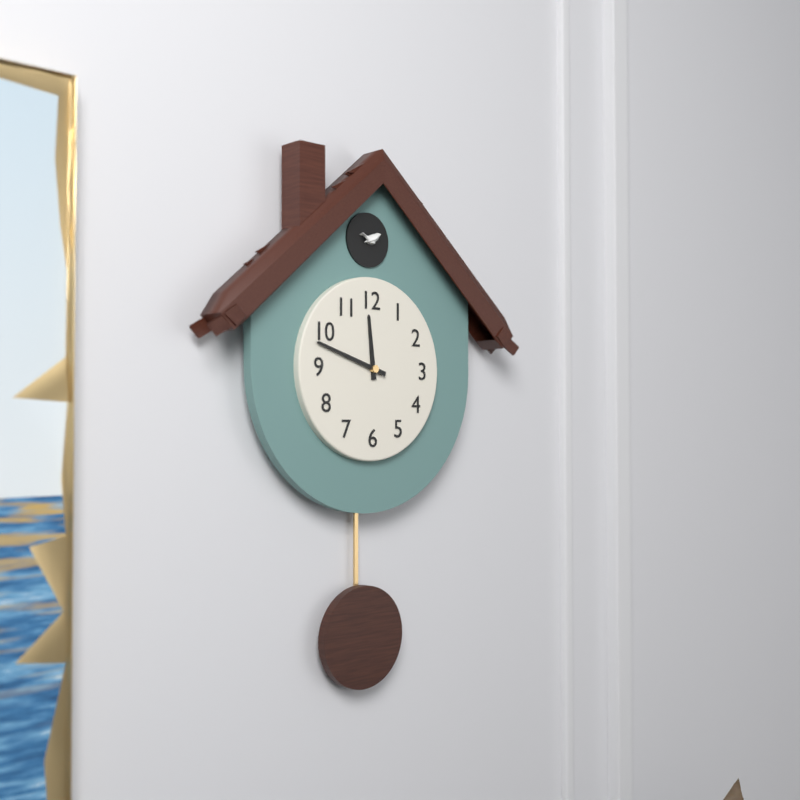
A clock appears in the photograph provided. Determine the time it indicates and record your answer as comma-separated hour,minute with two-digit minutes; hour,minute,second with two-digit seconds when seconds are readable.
11,48
